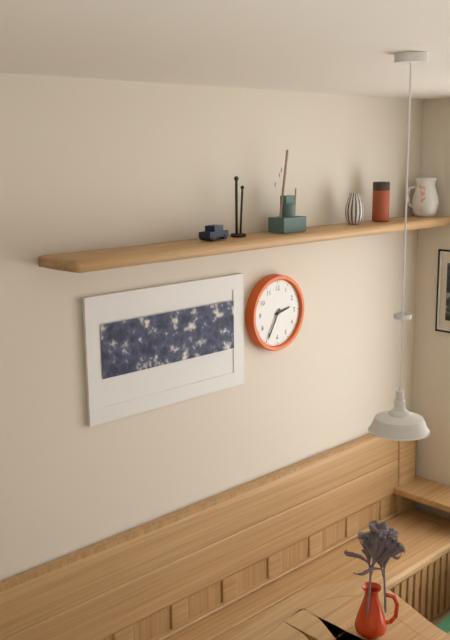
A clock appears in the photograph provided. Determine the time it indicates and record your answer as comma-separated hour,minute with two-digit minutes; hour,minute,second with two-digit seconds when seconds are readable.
2,35
